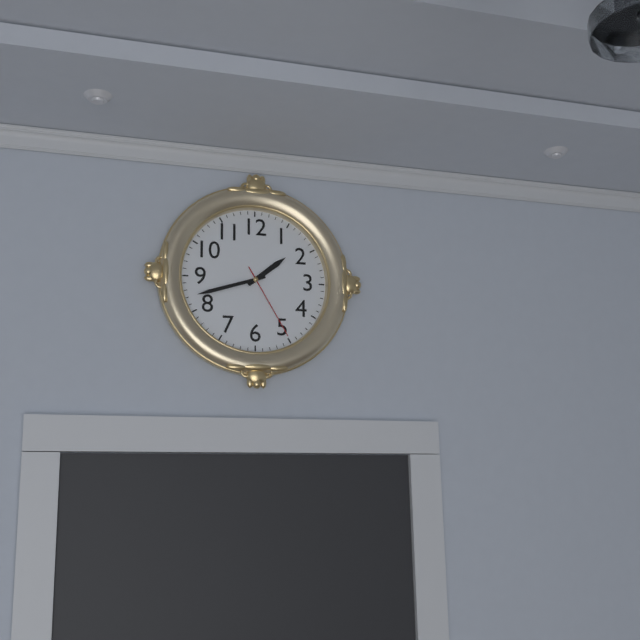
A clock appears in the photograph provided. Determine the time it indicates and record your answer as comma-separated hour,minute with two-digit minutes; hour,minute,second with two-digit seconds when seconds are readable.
1,42,25
